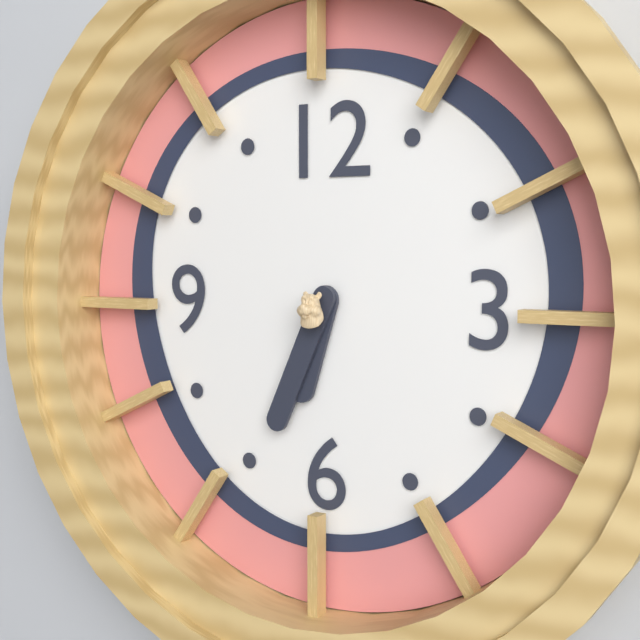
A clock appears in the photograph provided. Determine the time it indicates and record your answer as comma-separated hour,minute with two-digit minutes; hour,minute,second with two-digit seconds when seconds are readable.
6,34
